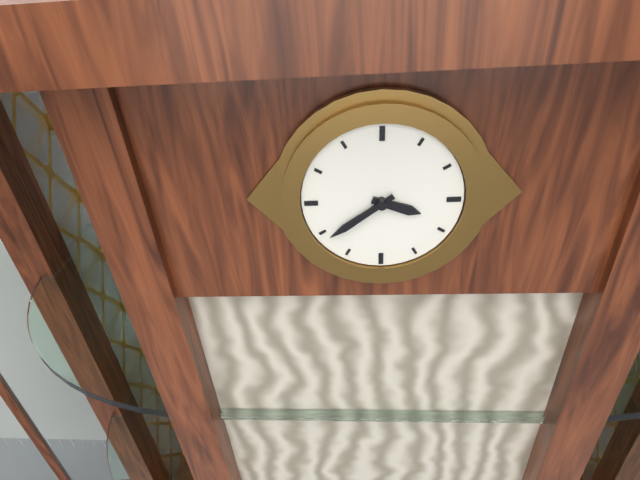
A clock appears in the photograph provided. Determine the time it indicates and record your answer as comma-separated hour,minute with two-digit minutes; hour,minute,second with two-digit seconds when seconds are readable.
3,39
